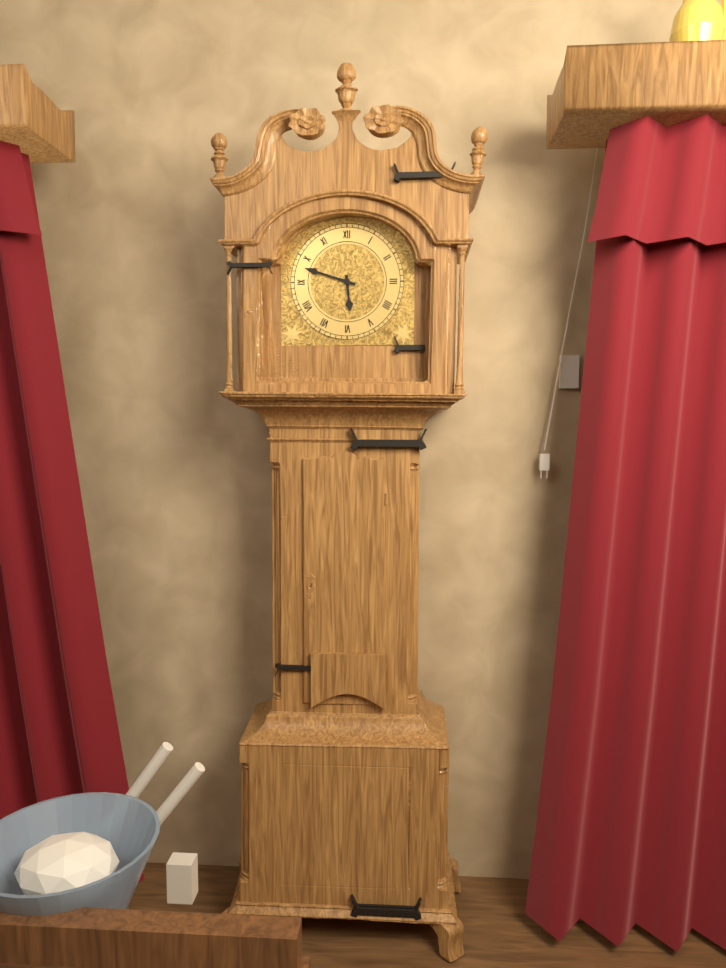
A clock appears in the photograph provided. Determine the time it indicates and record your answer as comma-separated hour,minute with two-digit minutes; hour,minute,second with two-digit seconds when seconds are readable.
5,48
